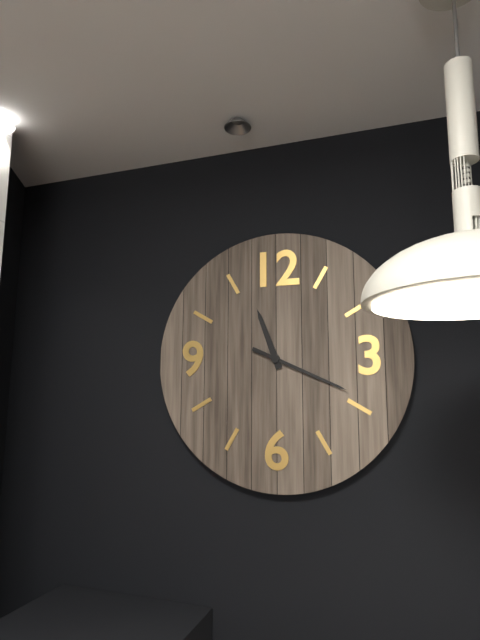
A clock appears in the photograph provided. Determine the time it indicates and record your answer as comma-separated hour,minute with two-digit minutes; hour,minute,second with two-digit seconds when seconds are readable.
11,19
